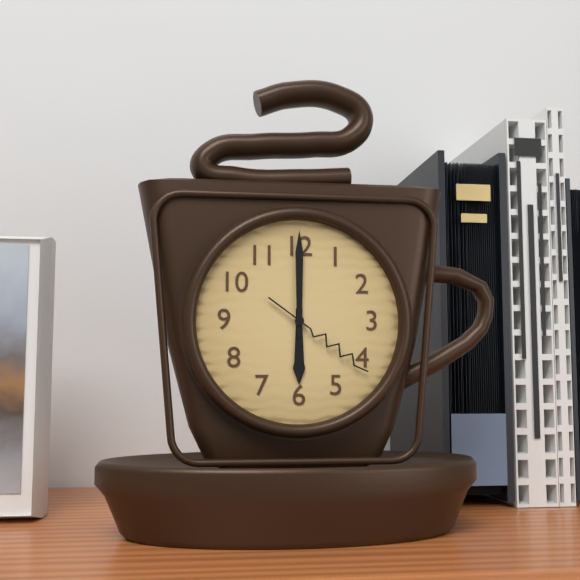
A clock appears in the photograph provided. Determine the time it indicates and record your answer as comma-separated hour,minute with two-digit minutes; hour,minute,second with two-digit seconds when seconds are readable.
6,00,21
